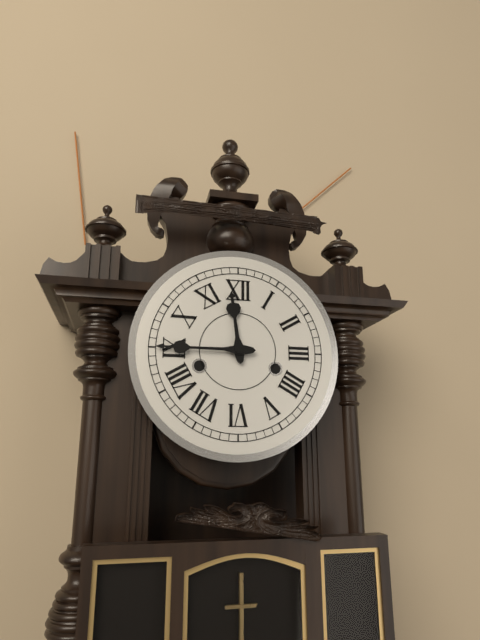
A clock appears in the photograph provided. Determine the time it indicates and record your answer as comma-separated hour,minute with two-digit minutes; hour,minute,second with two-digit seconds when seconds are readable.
11,45
